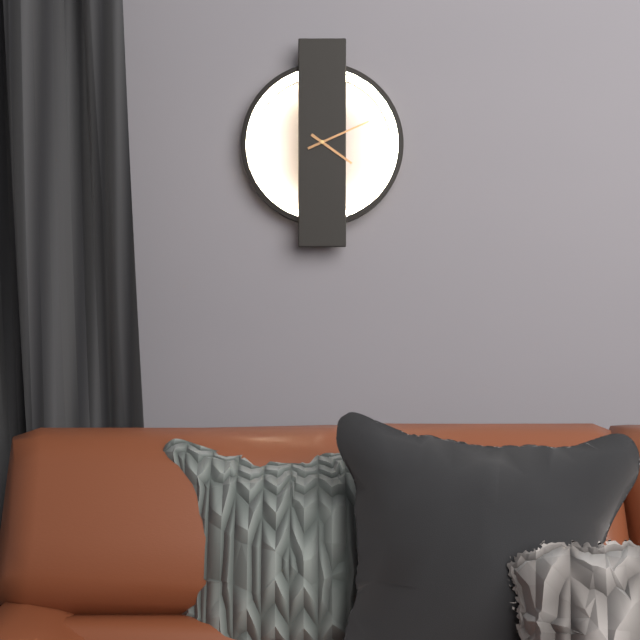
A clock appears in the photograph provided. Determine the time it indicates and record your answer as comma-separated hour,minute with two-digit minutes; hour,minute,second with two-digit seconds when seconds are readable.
4,11
